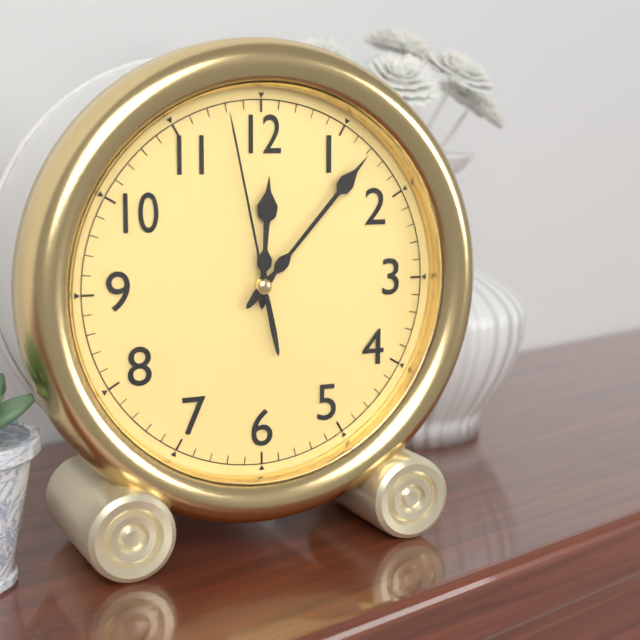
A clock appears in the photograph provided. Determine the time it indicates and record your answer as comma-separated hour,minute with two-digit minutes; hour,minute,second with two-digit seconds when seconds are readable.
12,07,58
